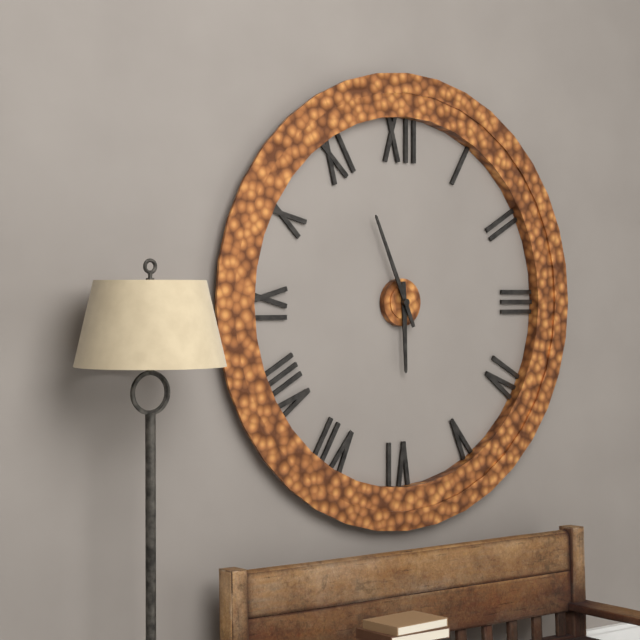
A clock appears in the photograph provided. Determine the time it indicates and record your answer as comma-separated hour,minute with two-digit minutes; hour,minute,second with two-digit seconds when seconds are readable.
5,56
